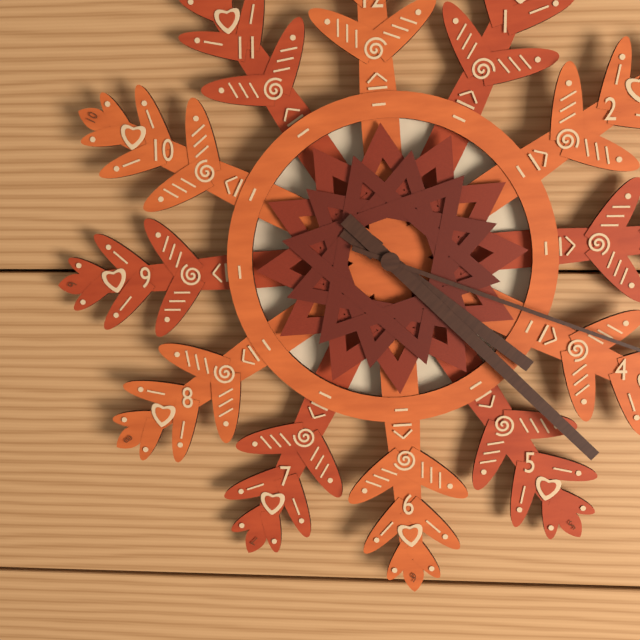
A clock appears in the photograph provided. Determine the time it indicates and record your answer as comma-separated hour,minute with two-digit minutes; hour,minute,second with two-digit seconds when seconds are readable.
4,23
